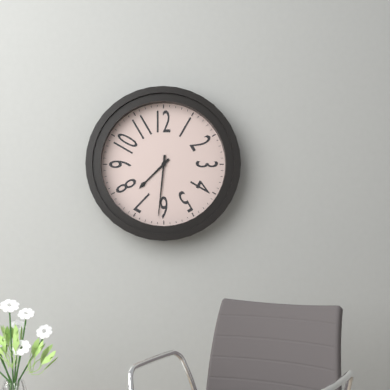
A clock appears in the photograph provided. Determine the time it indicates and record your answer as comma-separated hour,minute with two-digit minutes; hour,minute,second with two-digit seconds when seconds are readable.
7,31
